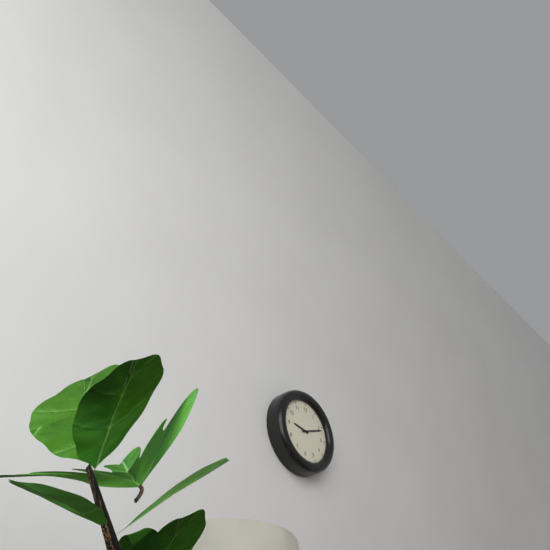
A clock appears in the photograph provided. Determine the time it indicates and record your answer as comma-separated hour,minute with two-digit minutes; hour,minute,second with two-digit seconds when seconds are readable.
9,11
